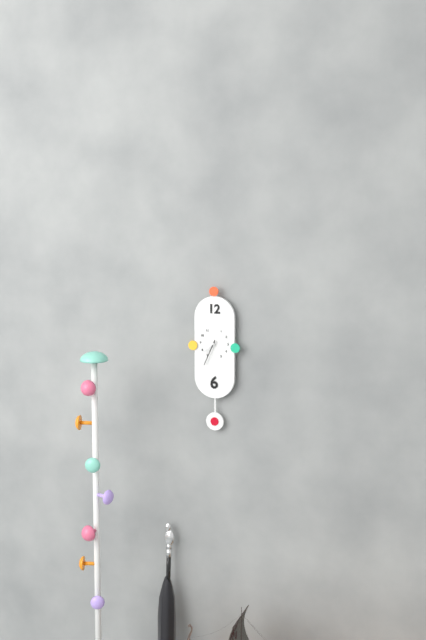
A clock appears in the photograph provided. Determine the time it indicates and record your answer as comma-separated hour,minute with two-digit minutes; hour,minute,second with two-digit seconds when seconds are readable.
7,34
